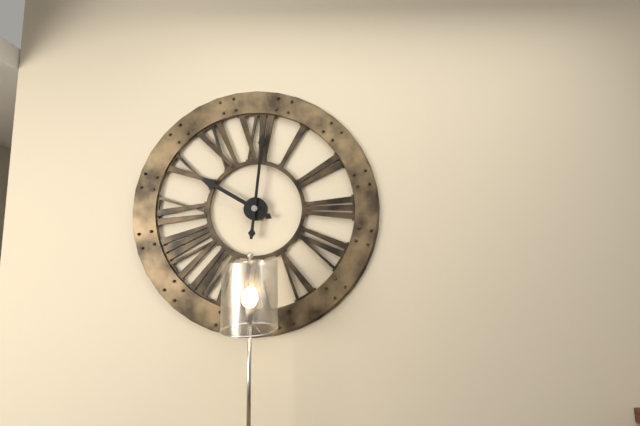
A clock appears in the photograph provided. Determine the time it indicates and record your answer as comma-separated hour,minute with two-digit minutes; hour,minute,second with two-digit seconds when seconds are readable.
10,01
